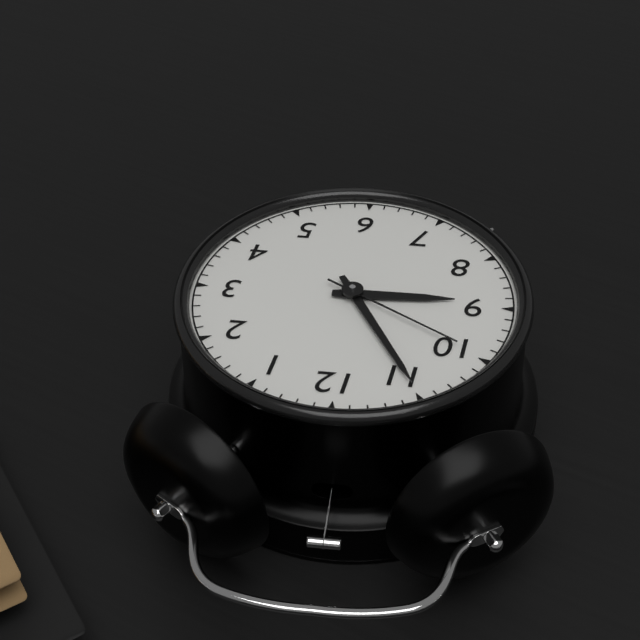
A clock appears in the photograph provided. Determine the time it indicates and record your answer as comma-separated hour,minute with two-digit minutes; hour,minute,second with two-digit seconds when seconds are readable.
8,55,50
